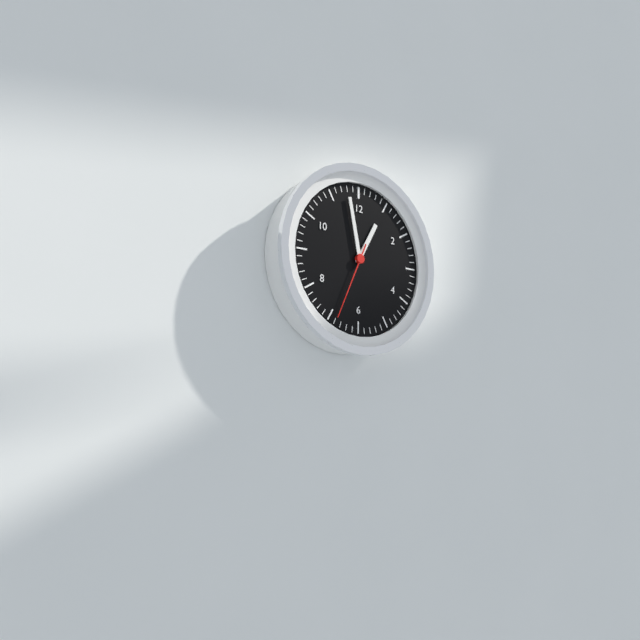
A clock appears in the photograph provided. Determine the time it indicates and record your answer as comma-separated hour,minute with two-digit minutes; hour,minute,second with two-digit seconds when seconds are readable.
12,58,34
